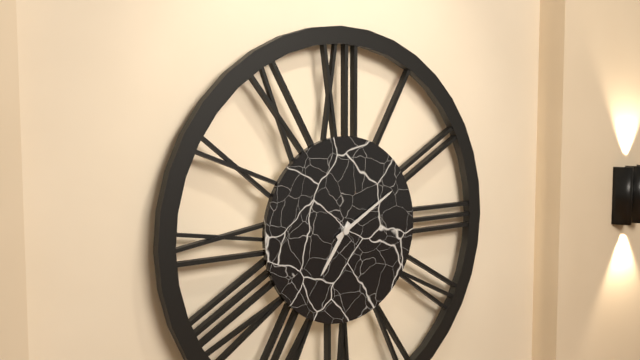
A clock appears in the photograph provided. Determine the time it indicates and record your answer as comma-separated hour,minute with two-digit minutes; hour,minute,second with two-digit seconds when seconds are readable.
7,10
